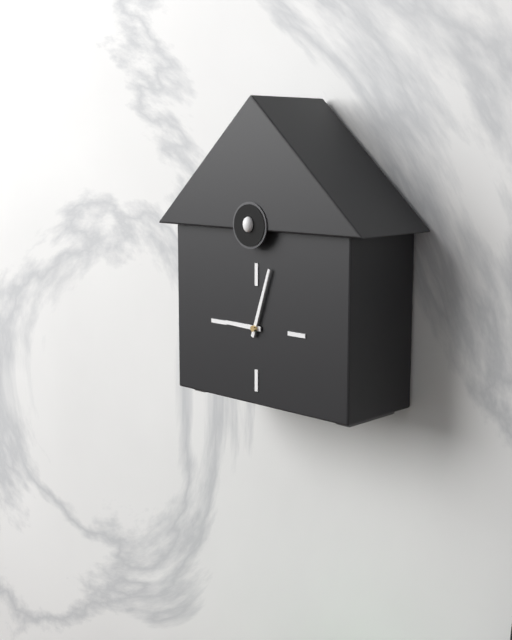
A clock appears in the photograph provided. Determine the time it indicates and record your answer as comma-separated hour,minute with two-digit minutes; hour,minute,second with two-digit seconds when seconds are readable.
9,03
